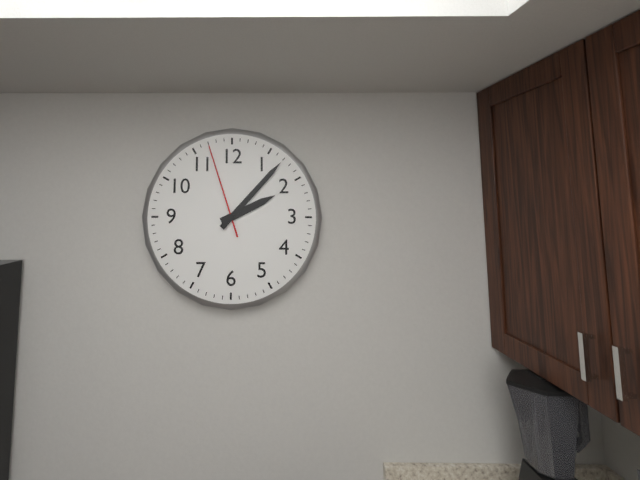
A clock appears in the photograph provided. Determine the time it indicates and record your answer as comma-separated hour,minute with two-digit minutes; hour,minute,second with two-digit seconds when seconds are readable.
2,07,57
